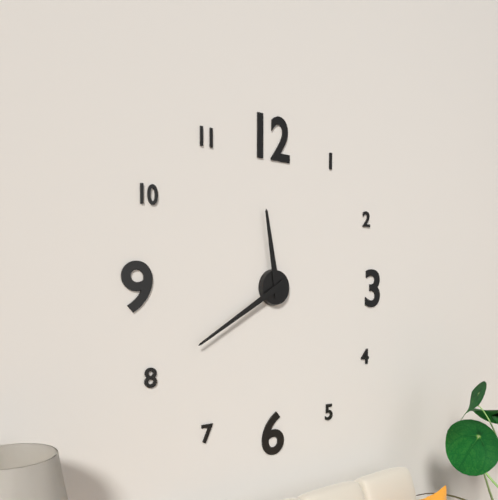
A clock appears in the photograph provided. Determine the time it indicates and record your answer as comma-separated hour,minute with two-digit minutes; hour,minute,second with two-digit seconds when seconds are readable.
11,40
